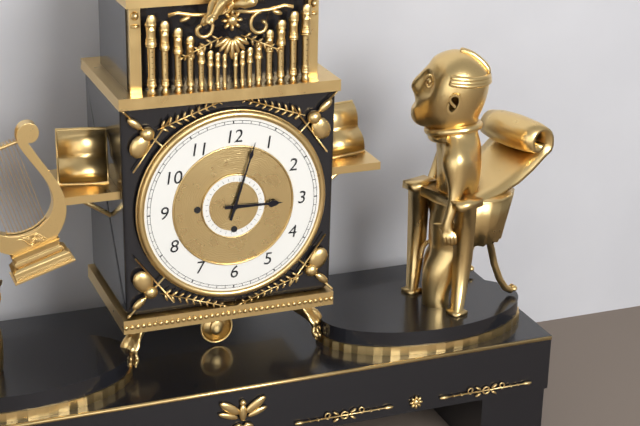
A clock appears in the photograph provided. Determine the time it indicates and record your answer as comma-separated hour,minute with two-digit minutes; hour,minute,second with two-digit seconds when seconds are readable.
3,03
